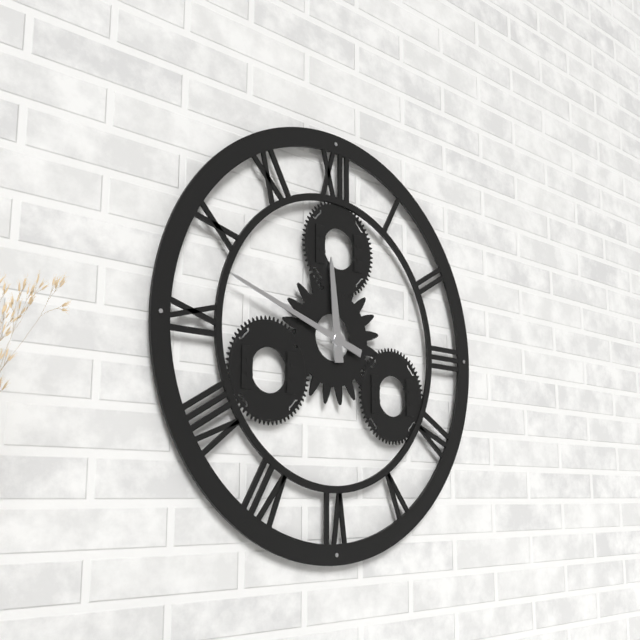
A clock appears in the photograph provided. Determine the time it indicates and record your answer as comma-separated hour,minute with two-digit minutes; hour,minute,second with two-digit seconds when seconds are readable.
11,48
